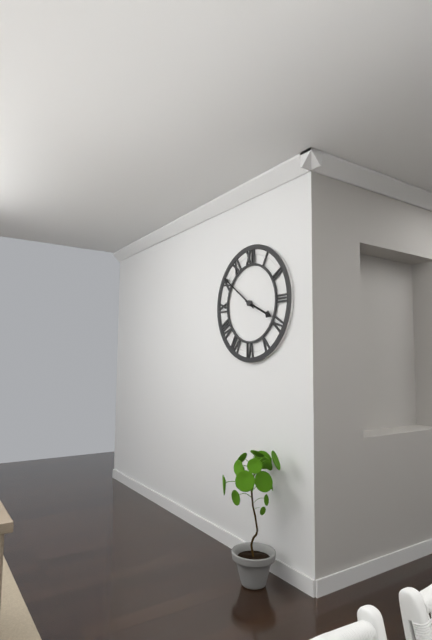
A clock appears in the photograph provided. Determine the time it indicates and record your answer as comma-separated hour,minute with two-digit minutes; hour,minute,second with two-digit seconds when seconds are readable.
3,51
